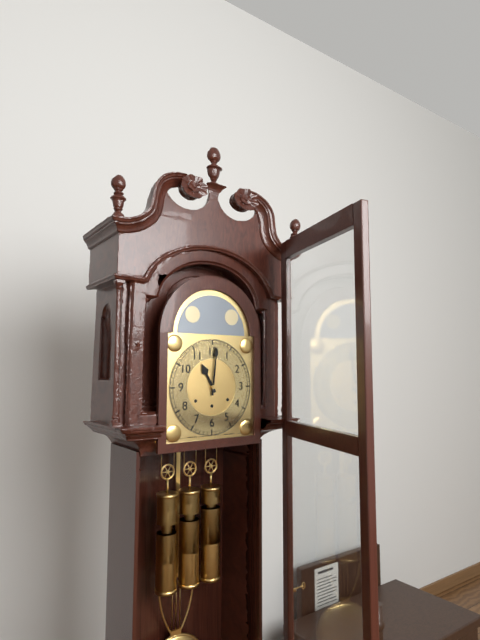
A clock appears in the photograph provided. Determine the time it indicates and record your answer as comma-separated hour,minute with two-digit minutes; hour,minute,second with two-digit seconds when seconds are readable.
11,01
